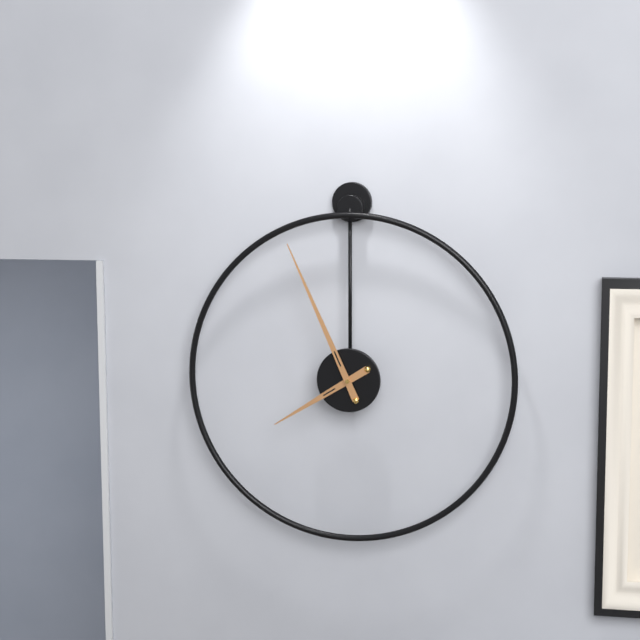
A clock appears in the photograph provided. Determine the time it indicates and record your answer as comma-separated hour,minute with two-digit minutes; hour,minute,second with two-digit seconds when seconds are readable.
7,56
